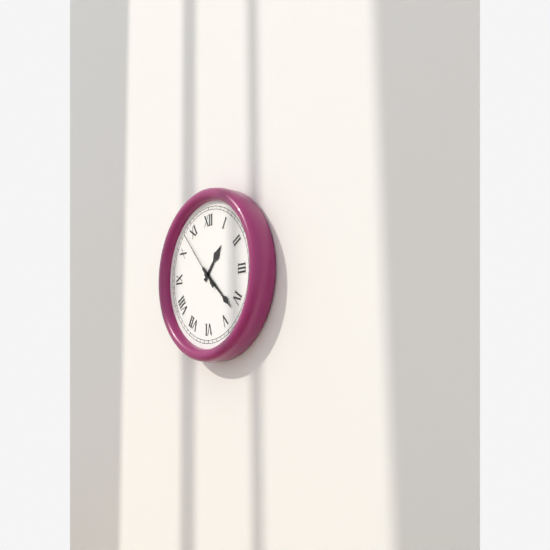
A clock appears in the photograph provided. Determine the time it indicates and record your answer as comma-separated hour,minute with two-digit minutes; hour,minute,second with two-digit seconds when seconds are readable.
1,22,53
